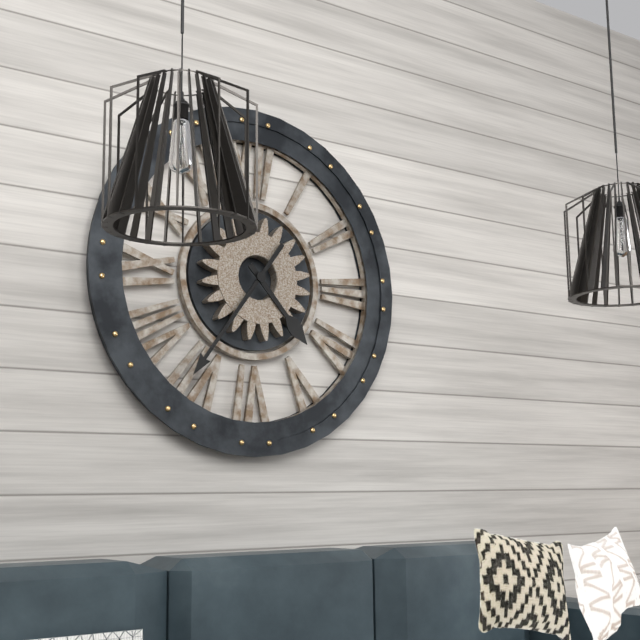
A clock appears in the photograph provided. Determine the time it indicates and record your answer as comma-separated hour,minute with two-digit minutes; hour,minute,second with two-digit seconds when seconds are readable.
4,36
